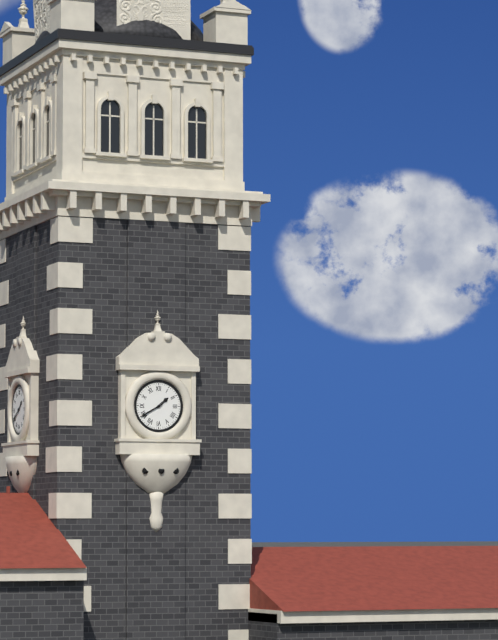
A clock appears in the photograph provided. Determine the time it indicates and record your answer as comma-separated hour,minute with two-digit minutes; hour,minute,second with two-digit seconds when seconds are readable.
1,40
